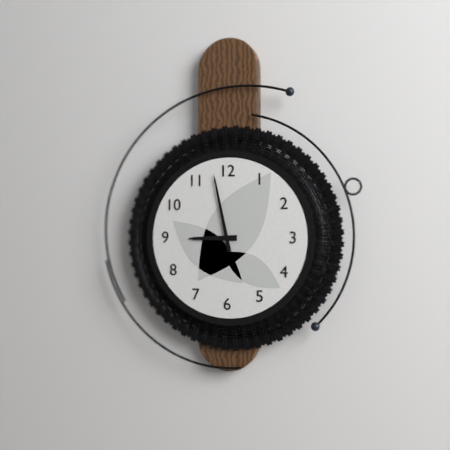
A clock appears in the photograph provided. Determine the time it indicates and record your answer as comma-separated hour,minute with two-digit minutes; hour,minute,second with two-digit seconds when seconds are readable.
8,58
